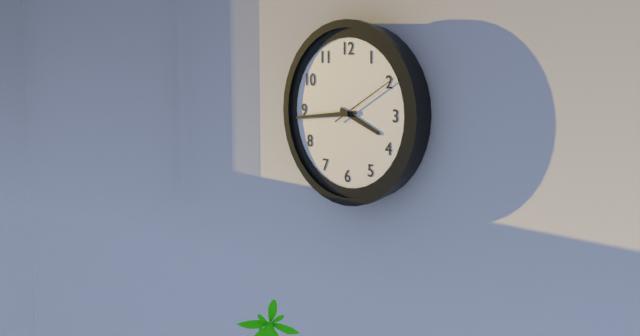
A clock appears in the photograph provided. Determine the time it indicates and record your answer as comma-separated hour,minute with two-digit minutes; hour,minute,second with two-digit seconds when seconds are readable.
3,44,10
